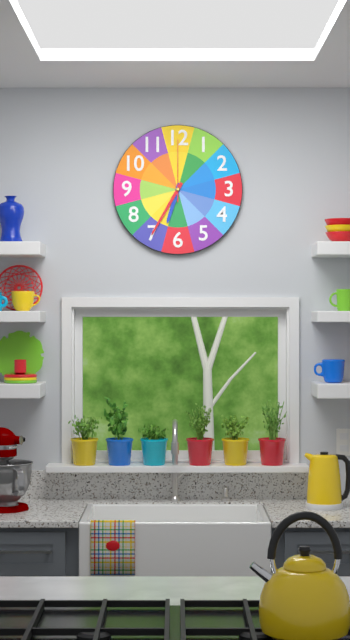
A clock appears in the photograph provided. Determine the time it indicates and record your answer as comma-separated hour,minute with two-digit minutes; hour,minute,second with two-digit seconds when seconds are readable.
6,35,00
